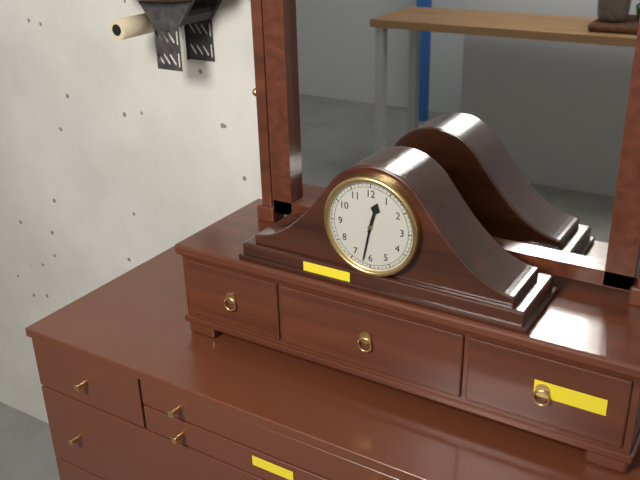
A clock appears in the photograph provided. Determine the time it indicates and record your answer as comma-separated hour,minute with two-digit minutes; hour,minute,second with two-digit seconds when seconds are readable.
12,32
